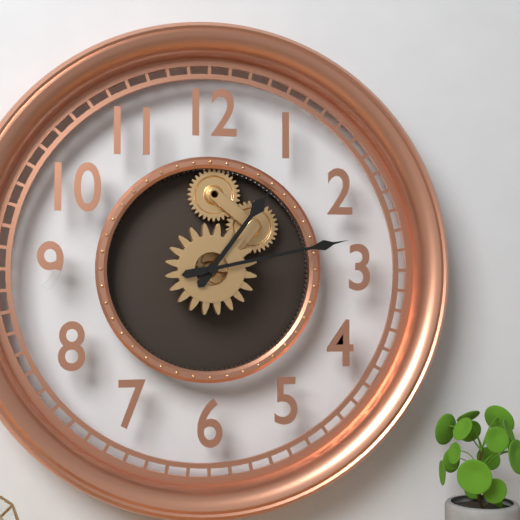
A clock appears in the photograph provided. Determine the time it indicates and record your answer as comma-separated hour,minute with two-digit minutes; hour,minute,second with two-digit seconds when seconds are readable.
1,13
